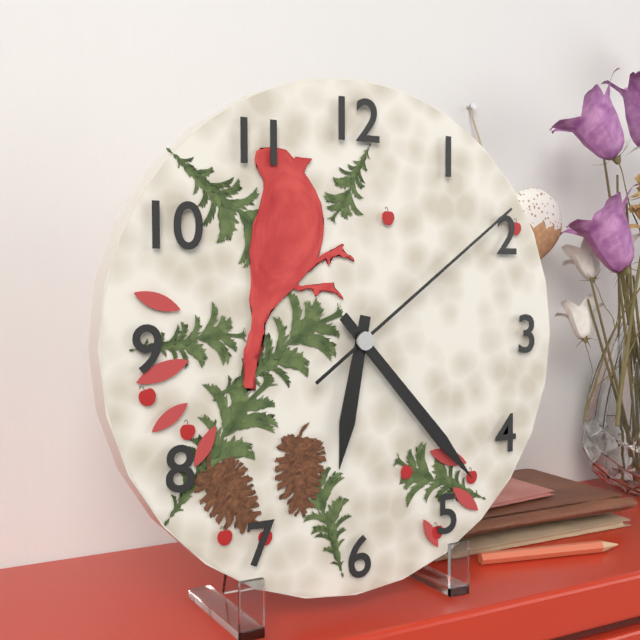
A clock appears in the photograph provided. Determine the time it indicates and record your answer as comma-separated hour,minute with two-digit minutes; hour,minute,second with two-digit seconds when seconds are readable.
6,23,09
